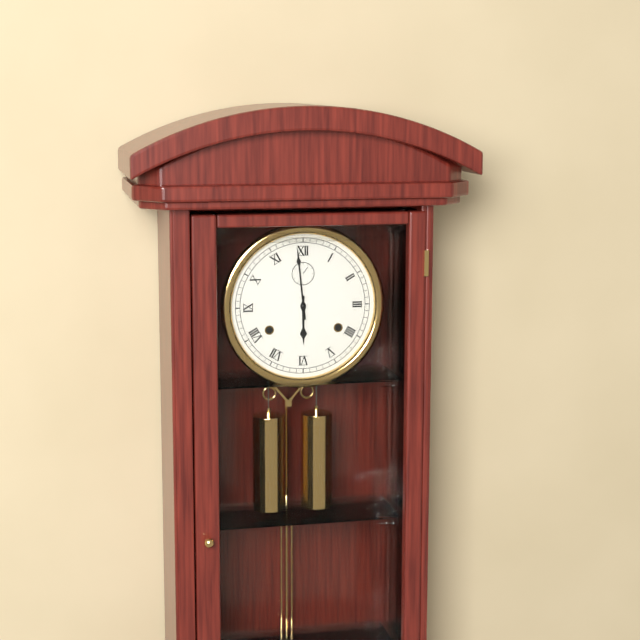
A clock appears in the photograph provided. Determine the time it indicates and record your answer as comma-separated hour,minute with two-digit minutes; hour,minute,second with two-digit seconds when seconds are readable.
5,59
